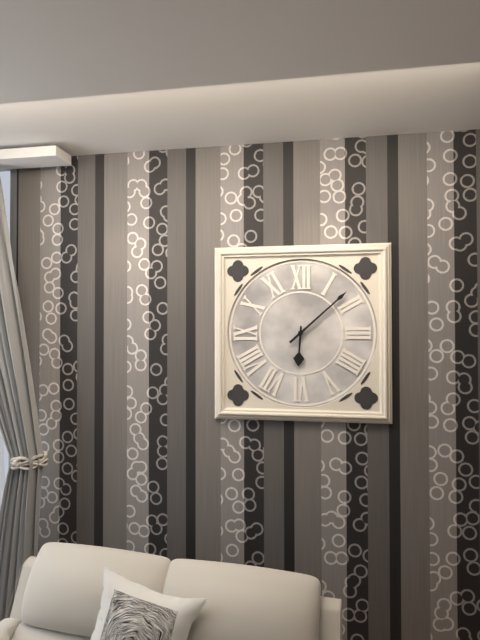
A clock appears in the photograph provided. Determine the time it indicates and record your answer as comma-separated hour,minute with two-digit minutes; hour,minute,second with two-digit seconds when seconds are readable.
6,08
